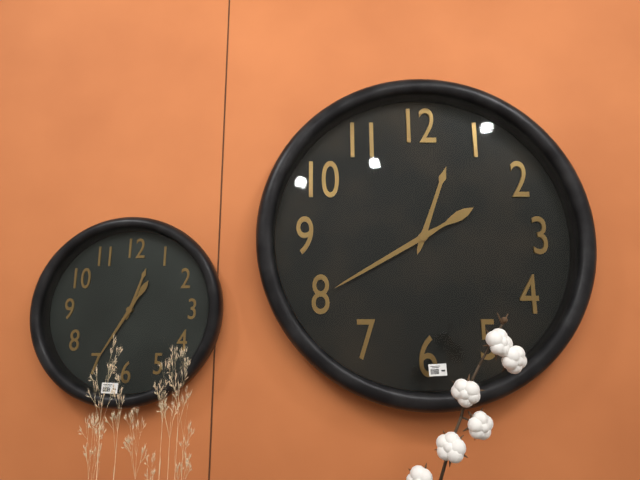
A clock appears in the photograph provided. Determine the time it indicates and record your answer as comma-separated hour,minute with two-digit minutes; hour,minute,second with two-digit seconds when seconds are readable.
12,40
